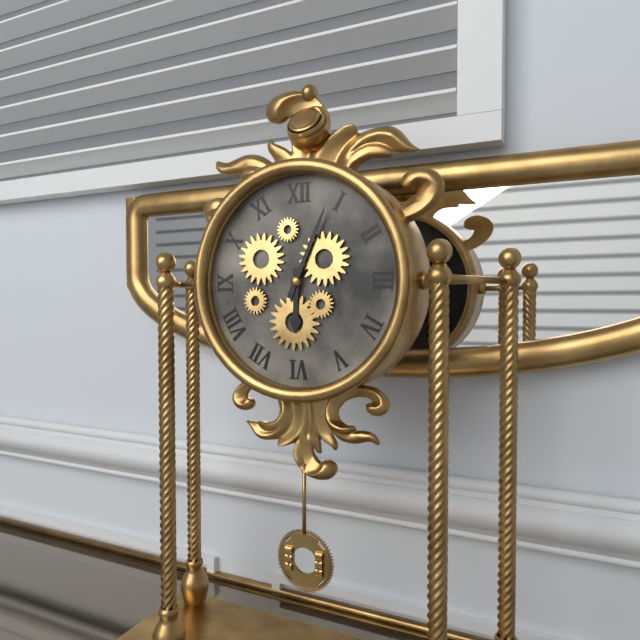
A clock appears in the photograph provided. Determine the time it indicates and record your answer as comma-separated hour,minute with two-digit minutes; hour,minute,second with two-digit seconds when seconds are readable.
6,04
